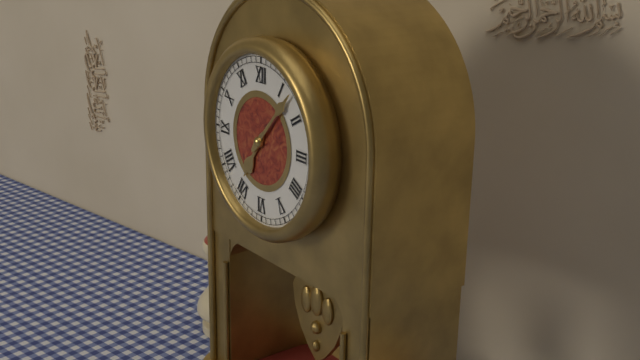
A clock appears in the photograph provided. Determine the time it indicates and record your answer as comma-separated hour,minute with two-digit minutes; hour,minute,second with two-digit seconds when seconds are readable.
7,07
